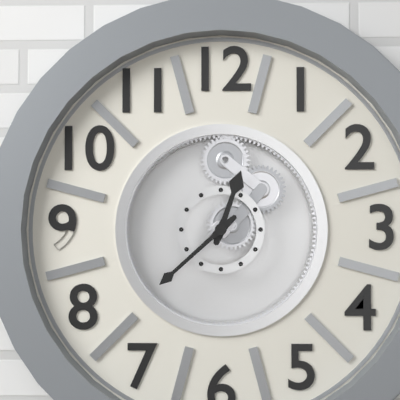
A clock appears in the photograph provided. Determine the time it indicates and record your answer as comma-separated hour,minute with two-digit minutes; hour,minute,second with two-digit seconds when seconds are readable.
12,38
